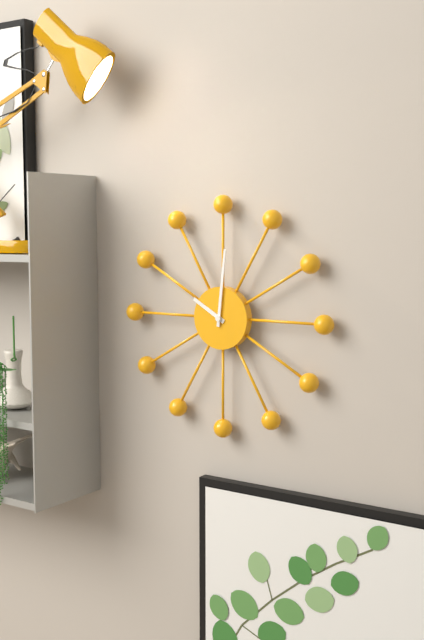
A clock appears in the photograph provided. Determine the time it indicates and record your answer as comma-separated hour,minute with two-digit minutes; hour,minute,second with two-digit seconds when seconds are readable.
10,01
